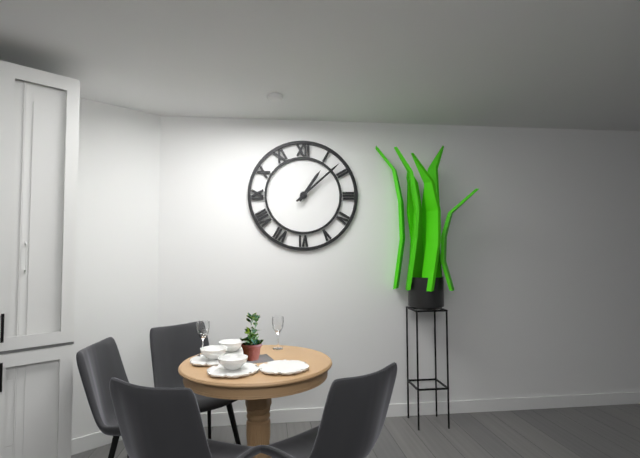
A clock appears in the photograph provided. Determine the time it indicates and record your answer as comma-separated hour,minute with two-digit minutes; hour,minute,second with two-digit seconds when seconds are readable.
1,08
